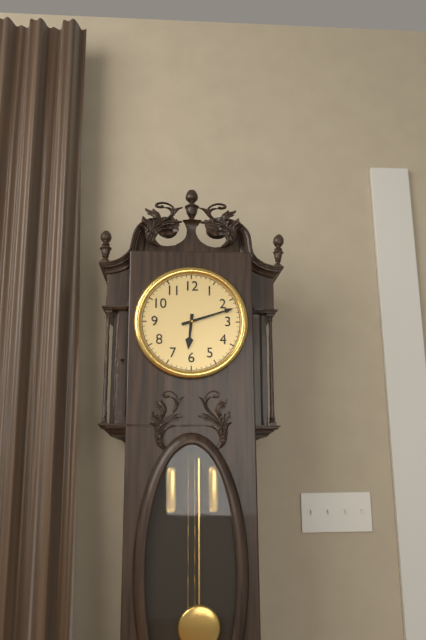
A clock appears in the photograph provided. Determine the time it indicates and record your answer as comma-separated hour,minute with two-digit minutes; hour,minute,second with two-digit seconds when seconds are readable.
6,12
